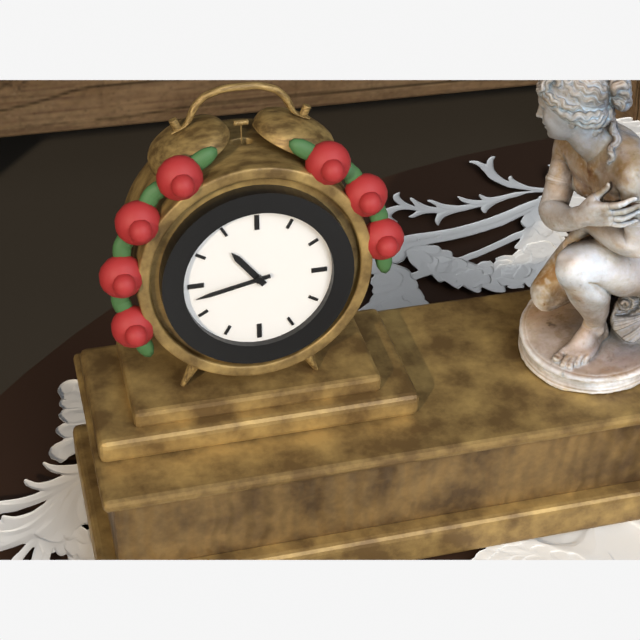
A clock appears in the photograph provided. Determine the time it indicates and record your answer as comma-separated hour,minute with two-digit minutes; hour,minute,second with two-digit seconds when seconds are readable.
10,43
